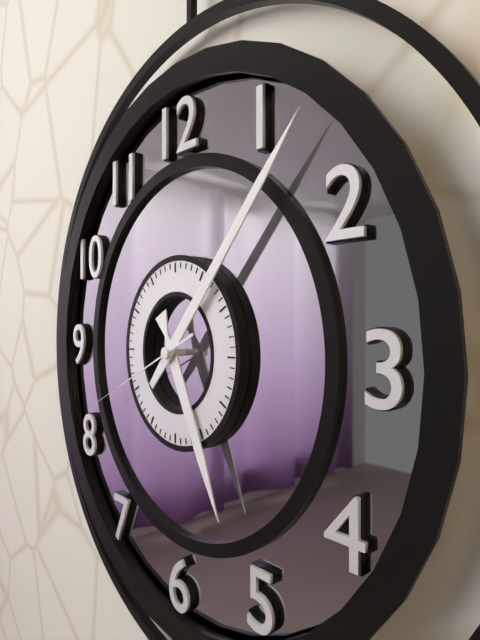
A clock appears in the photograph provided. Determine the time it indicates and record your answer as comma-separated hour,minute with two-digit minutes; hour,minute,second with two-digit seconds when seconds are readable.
5,07,41
